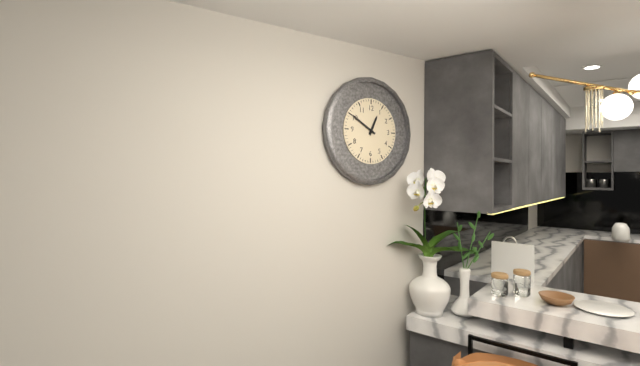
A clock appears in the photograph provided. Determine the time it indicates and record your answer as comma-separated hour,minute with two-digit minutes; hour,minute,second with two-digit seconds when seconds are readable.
12,50
